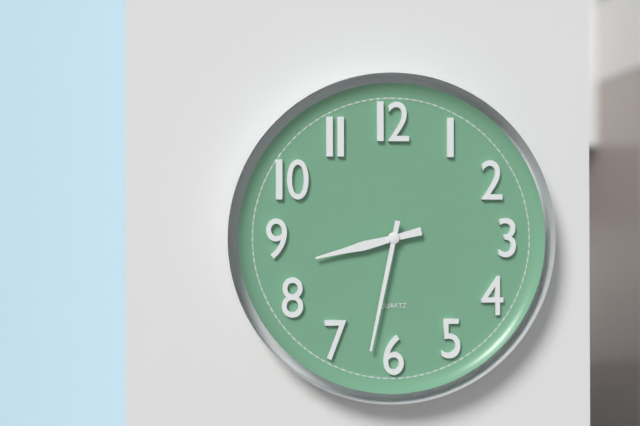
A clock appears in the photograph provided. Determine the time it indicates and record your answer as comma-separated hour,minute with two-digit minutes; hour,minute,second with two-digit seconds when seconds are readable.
8,32
